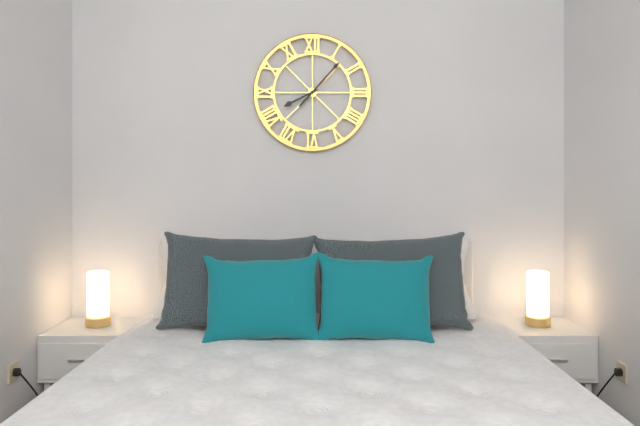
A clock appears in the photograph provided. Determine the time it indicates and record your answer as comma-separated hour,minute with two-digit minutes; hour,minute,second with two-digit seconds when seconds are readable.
8,07
